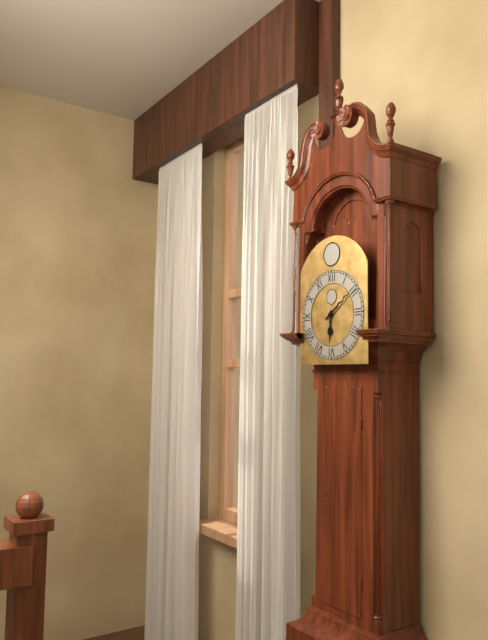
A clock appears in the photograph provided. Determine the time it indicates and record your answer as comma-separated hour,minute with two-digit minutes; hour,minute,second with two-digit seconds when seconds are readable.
6,09
